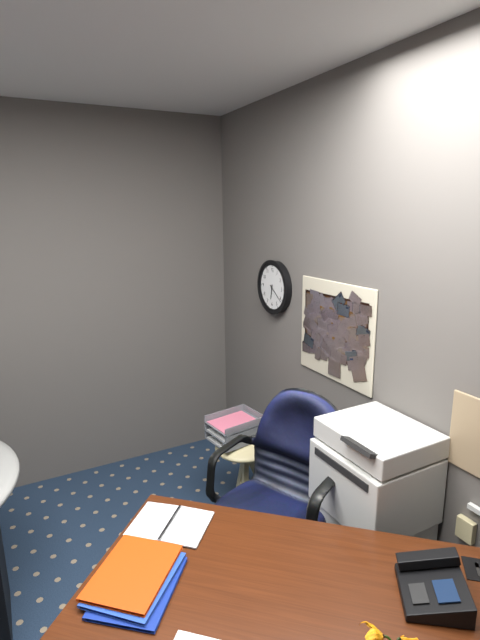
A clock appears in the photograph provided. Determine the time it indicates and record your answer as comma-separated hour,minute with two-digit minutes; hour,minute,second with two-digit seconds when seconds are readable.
6,21
